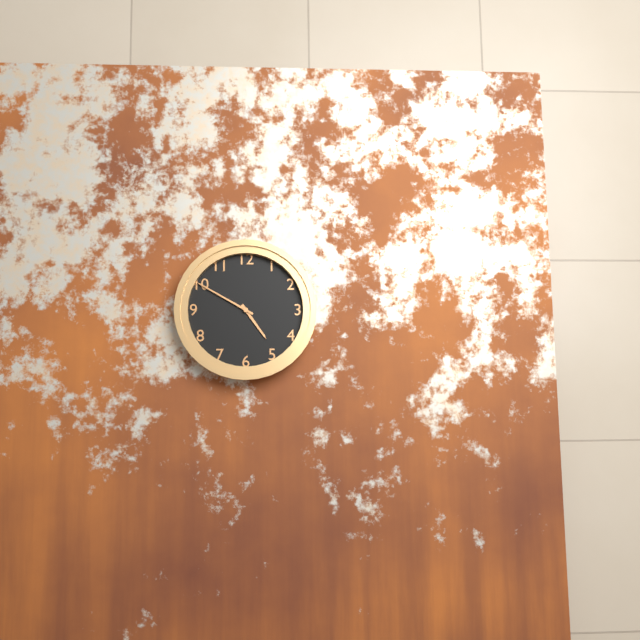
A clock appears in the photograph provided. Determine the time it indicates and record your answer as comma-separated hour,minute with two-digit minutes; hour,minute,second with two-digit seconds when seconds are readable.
4,50
